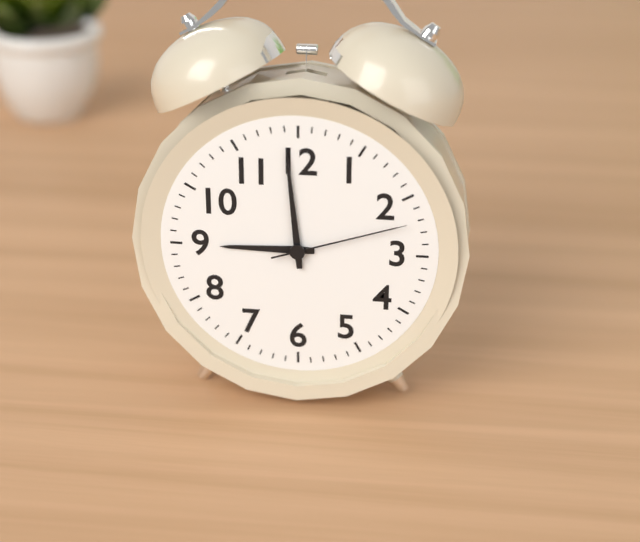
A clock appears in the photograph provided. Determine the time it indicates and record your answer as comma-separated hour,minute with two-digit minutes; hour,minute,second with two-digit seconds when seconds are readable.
8,59,12
